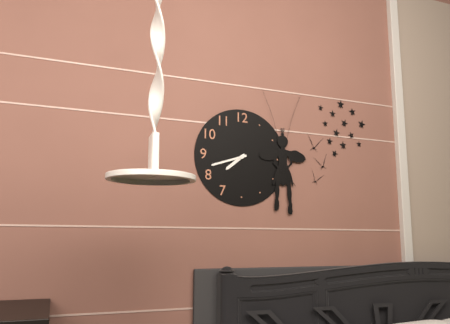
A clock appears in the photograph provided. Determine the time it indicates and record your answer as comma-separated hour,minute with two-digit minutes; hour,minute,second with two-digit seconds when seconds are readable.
7,42
